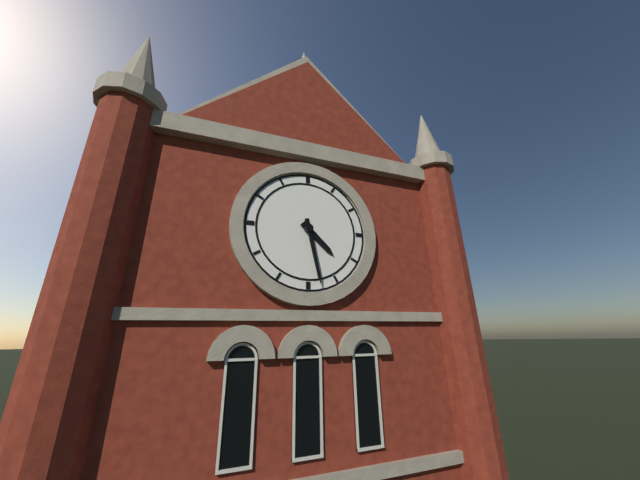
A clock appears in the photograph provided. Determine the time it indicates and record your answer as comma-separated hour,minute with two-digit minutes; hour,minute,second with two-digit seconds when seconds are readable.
4,28
